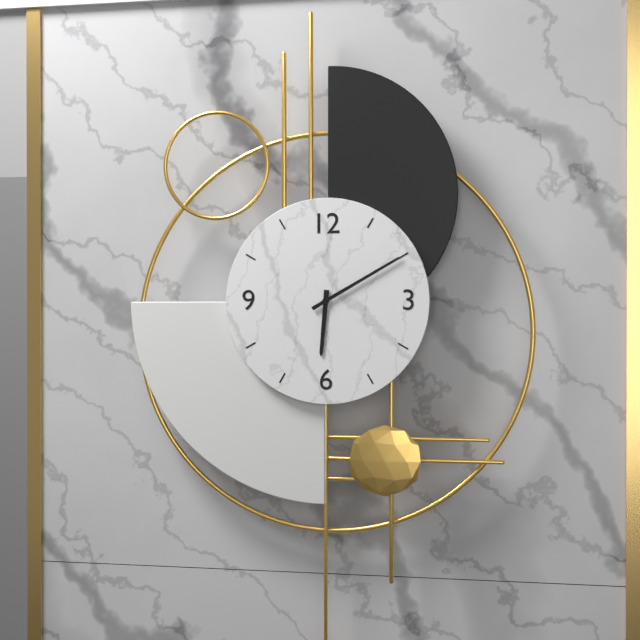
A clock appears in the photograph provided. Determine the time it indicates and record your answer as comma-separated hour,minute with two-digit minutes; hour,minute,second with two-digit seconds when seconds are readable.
6,10
